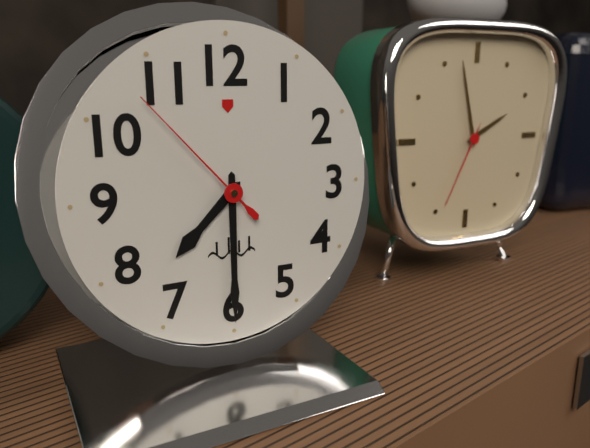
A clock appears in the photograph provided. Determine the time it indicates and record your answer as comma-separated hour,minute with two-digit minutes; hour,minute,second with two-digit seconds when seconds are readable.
7,30,53
